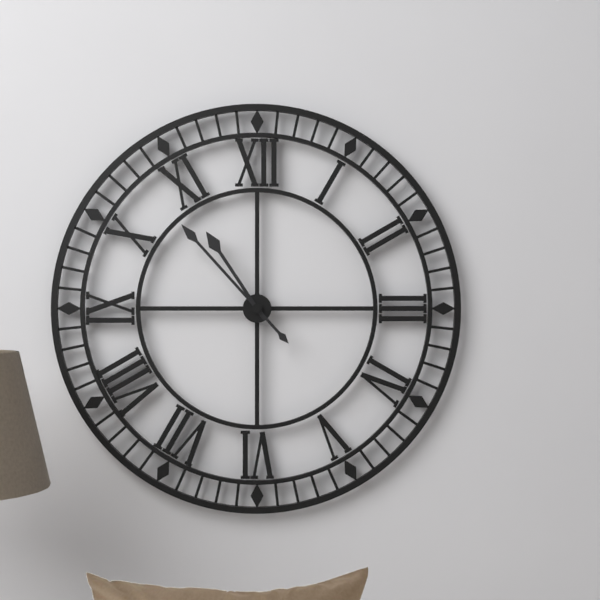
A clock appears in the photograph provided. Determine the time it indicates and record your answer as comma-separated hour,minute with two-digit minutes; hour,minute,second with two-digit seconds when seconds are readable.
10,53
